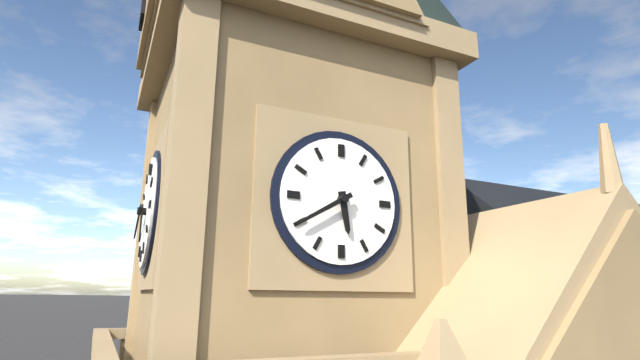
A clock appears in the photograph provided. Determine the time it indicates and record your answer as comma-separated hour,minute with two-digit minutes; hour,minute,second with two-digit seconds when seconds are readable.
5,40
